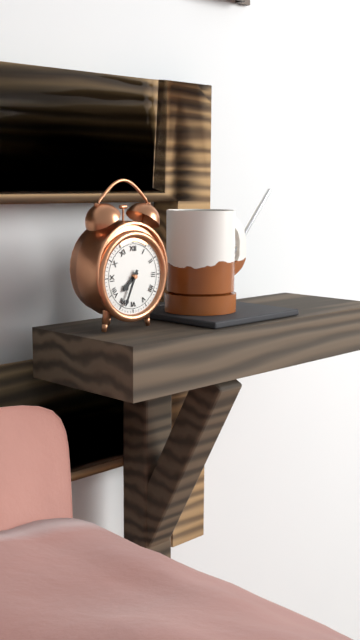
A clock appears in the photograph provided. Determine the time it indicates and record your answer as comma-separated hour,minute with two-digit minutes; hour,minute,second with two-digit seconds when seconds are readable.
7,34
